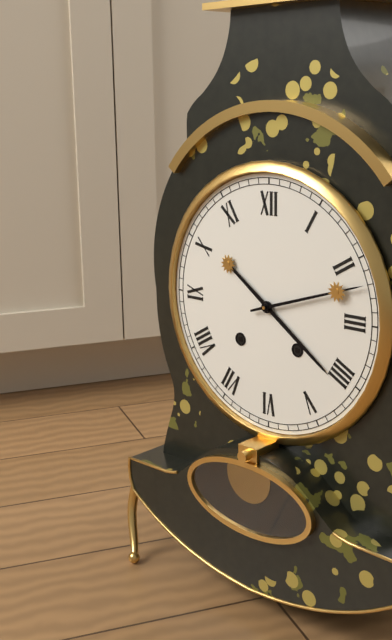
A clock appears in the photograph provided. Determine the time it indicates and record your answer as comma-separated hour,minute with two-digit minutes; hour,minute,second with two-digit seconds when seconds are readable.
4,12
